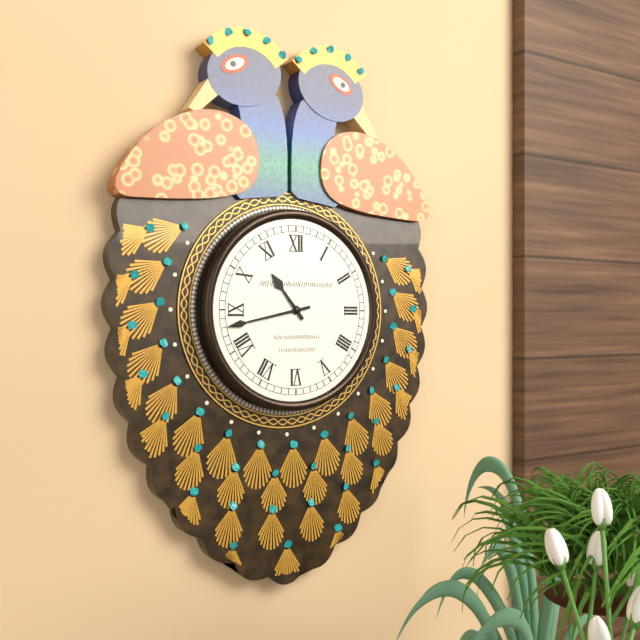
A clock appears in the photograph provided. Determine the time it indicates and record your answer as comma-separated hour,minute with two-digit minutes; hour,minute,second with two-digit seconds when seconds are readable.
10,43
